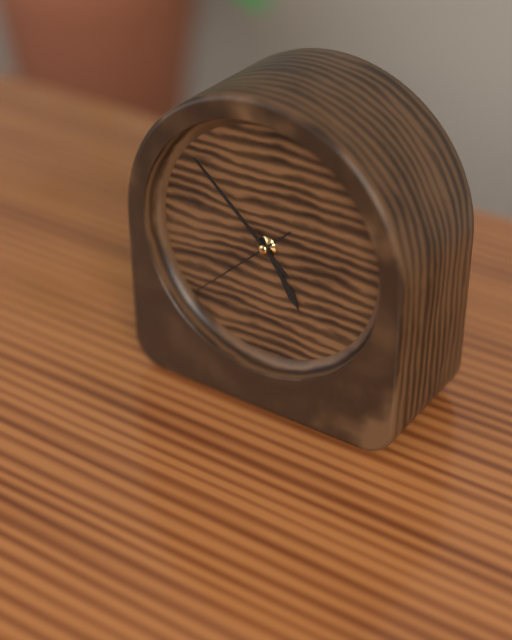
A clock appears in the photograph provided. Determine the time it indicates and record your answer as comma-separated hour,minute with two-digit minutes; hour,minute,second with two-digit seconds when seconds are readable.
4,52,38
